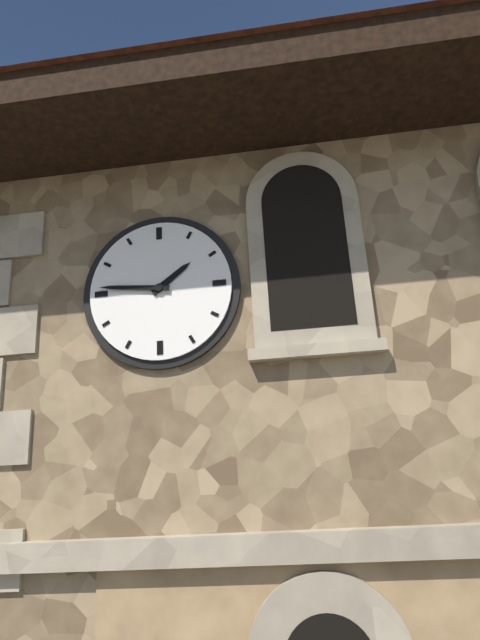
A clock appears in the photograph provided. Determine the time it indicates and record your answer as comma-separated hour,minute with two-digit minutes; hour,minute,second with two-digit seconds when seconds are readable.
1,46
